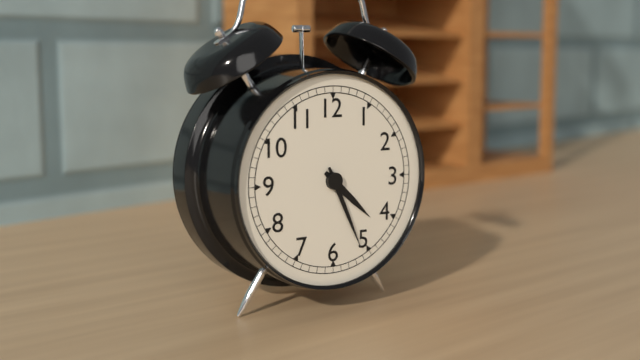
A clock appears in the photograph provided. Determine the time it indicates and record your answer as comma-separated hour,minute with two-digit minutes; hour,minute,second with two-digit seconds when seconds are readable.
4,26
